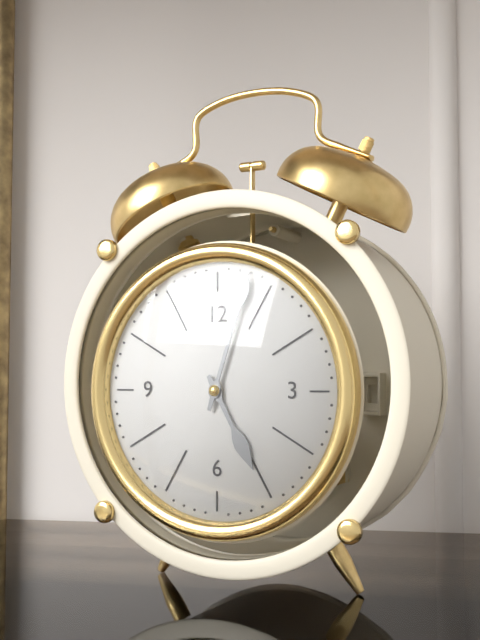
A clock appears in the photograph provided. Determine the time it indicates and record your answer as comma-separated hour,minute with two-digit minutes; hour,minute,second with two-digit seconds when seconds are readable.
5,03
